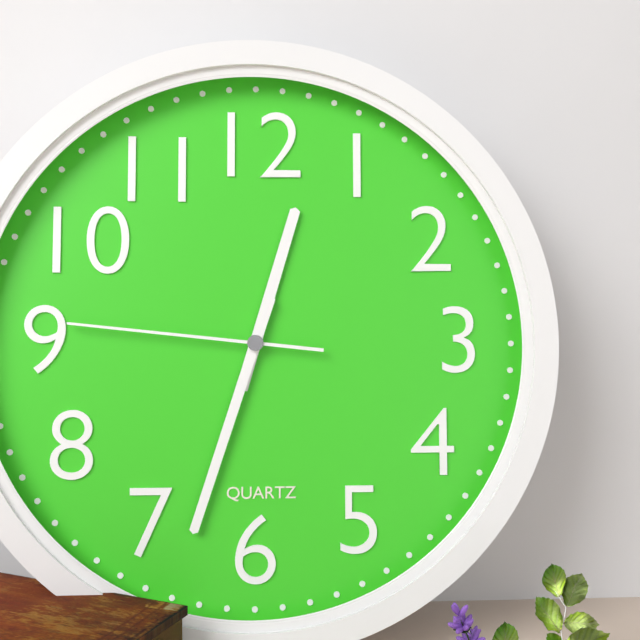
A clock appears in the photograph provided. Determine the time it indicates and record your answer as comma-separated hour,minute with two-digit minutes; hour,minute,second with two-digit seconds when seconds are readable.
12,33,46
